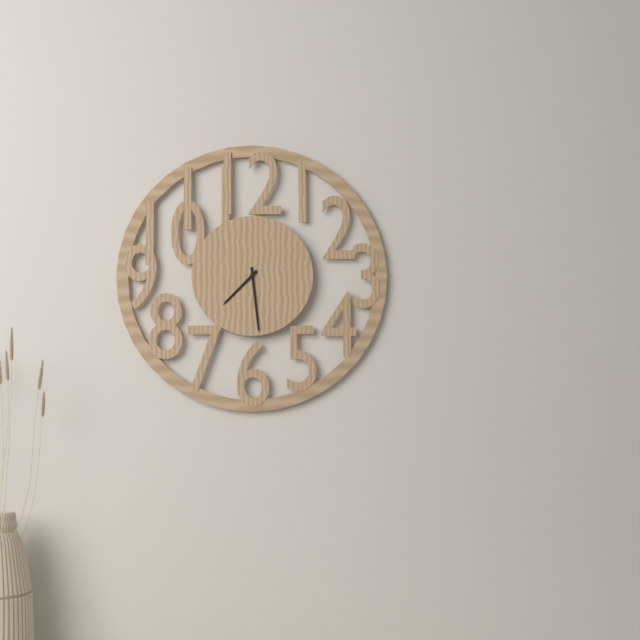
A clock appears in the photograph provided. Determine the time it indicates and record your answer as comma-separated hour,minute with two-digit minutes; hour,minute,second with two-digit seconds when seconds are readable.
7,29
